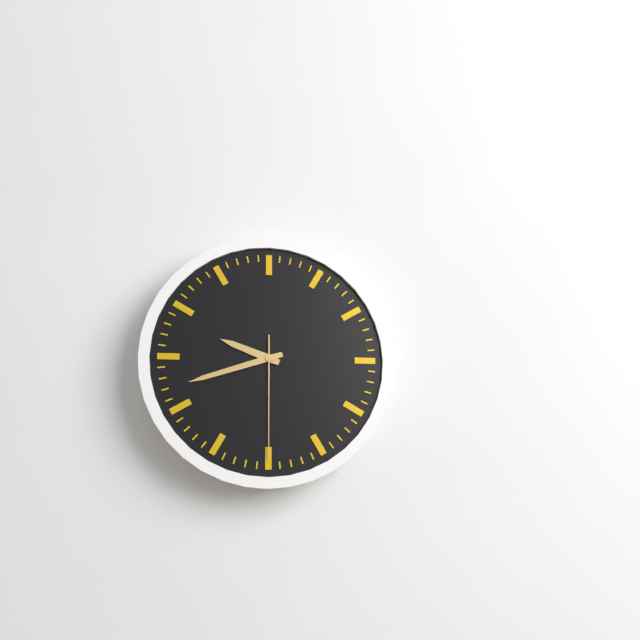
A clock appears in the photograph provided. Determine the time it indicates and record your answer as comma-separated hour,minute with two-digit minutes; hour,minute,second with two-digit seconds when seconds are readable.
9,42,30
